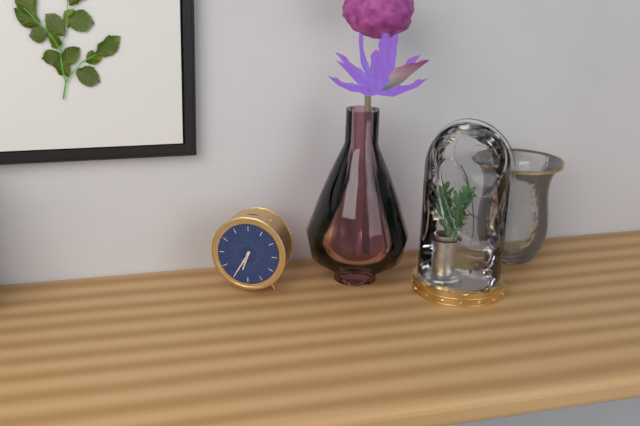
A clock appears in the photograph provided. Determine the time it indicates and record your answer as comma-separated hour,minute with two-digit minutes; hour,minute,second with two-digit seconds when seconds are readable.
6,35
